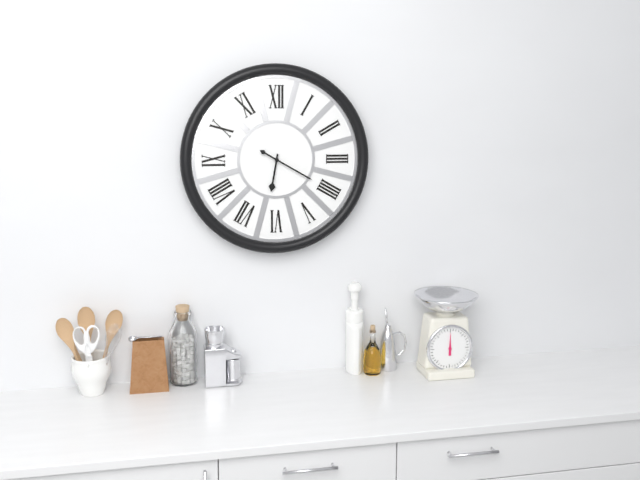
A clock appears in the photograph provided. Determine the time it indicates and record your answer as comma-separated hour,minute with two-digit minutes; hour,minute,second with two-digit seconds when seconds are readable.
6,20
